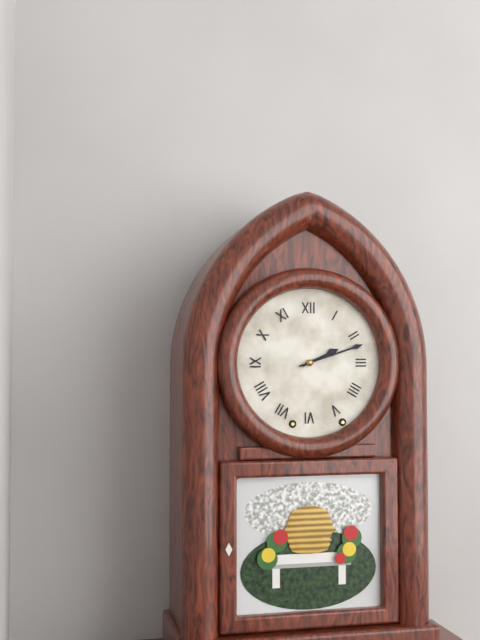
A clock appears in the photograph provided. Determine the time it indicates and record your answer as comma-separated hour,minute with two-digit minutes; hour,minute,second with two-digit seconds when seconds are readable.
2,12
